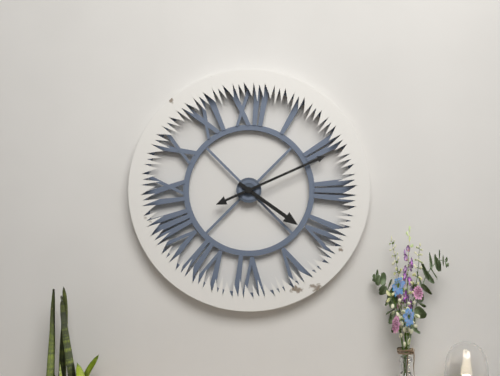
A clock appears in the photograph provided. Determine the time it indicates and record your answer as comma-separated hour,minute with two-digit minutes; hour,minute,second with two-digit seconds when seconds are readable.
4,11
